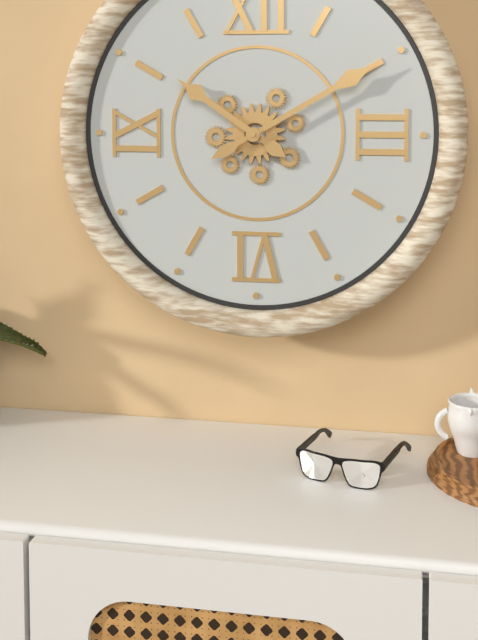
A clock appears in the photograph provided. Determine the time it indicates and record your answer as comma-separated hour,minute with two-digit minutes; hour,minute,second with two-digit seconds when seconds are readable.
10,10
